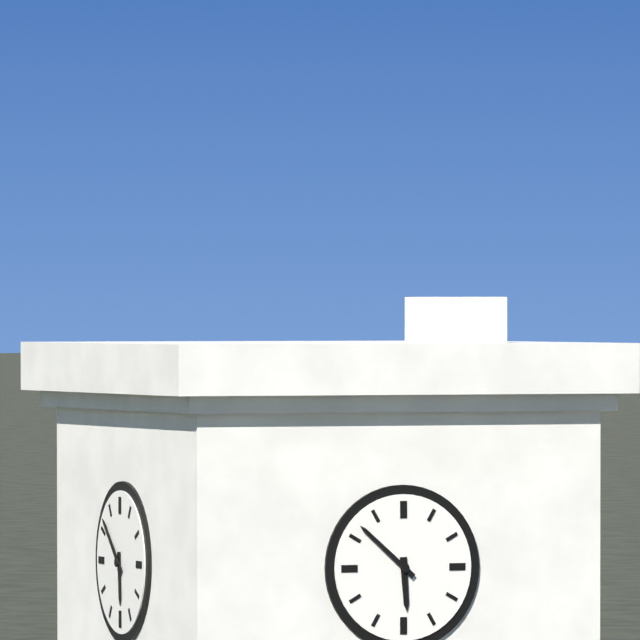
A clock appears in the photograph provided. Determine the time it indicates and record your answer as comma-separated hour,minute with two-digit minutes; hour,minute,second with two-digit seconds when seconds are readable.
5,52
